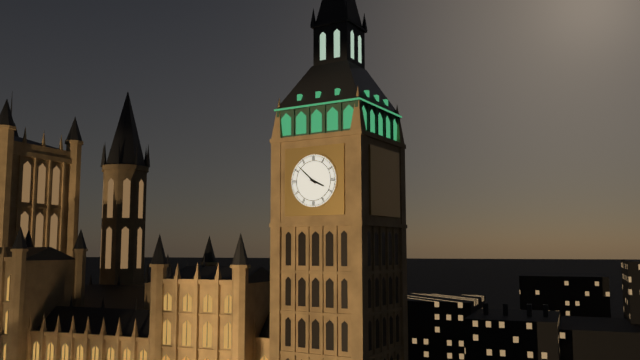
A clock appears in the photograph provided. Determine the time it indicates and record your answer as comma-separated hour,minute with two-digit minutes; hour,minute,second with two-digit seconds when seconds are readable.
3,52
